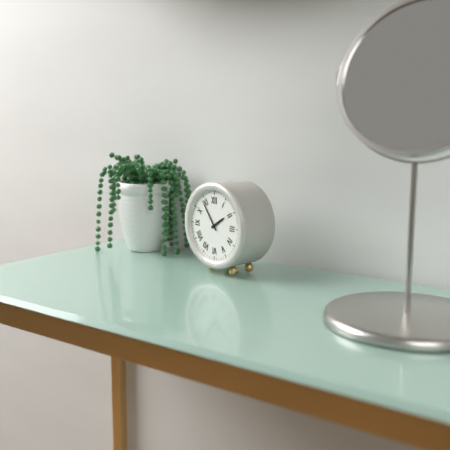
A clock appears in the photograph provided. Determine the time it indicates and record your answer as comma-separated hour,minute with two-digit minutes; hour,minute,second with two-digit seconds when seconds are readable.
1,54
